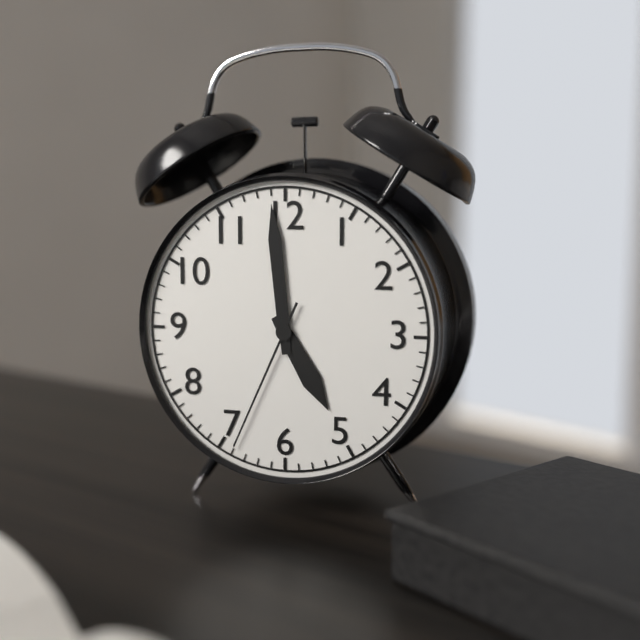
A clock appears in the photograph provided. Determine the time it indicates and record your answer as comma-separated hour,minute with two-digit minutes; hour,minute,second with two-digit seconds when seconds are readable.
4,59,34
